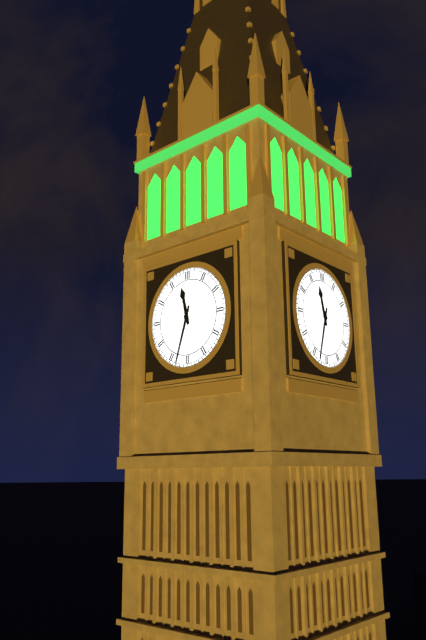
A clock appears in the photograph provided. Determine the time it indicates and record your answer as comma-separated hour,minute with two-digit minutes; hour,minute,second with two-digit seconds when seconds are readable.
11,33
